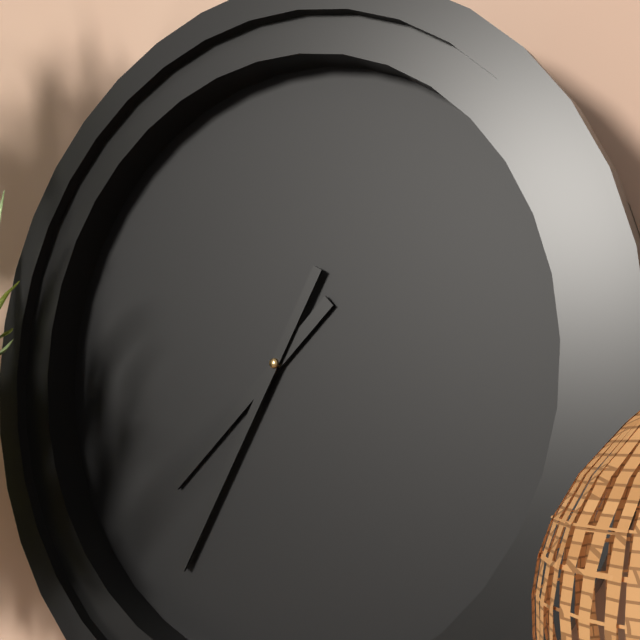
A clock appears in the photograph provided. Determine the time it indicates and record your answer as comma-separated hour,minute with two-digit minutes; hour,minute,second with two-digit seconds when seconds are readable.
7,35
